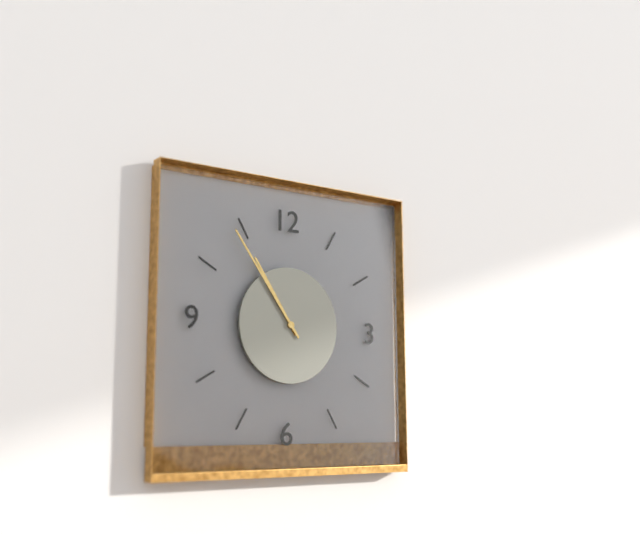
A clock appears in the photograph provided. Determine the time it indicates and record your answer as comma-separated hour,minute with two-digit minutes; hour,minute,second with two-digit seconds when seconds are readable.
10,54
